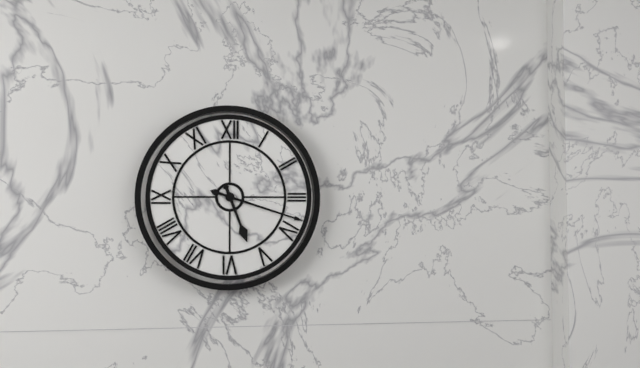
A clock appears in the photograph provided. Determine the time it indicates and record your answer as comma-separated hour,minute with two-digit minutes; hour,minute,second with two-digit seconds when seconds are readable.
5,18
